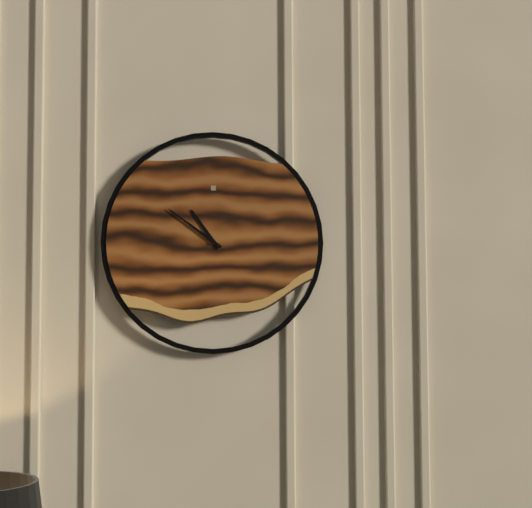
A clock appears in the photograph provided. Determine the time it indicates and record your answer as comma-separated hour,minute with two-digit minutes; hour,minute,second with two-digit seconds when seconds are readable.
10,51
